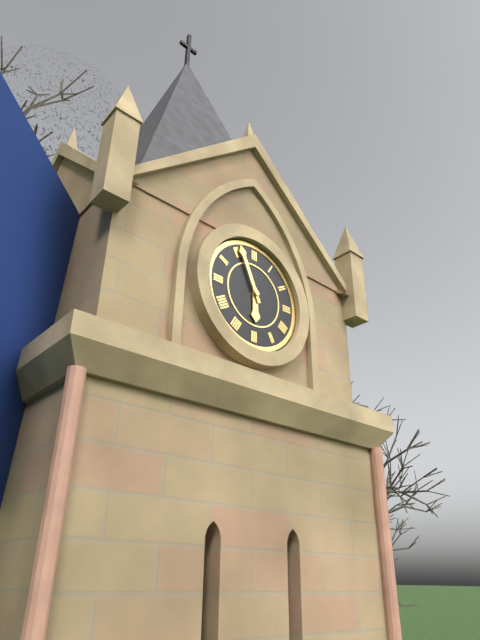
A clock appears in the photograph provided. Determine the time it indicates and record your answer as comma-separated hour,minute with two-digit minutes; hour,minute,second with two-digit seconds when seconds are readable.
5,56
